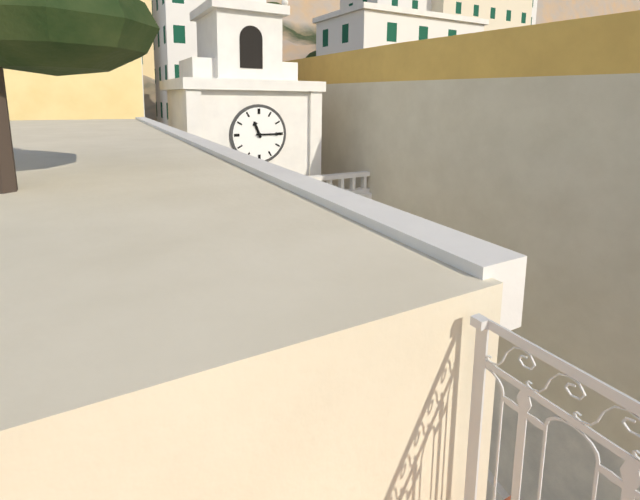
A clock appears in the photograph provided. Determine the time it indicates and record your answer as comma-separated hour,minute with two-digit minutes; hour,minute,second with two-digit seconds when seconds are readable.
11,15
